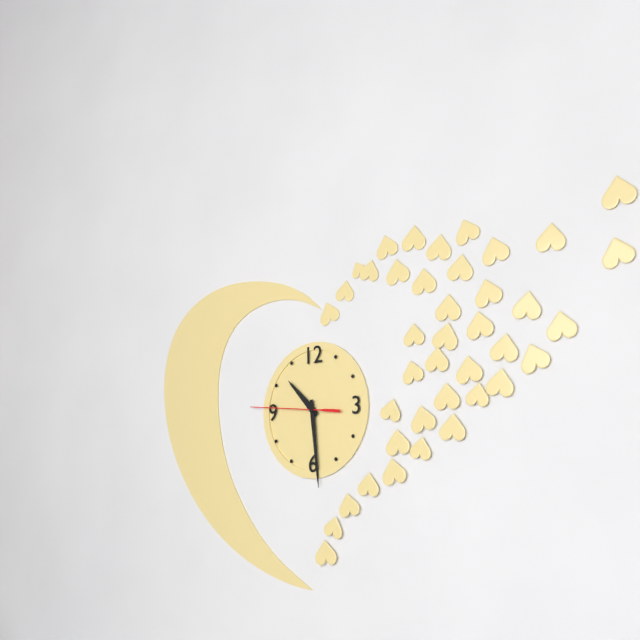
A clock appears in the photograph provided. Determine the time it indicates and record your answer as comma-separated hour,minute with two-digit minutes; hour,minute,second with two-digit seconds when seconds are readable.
10,29,46
